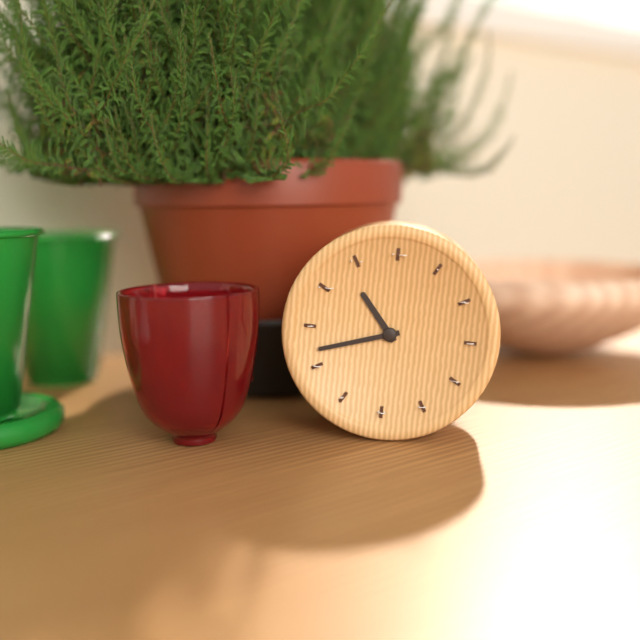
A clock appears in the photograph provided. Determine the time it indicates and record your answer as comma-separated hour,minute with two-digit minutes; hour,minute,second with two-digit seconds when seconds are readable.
10,42
